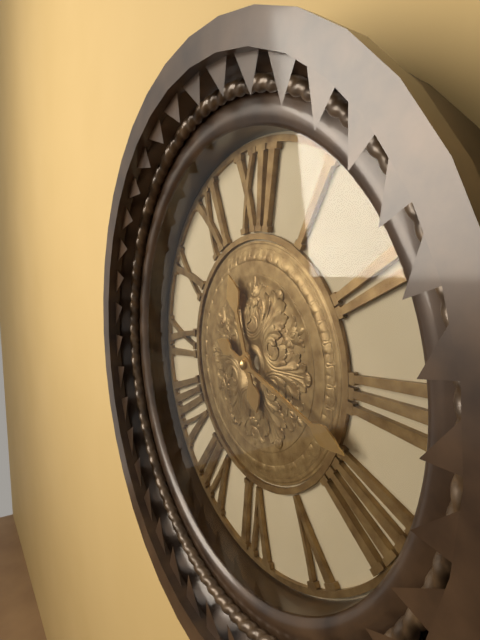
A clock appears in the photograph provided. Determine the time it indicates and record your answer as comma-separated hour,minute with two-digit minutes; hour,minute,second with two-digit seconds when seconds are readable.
11,18
